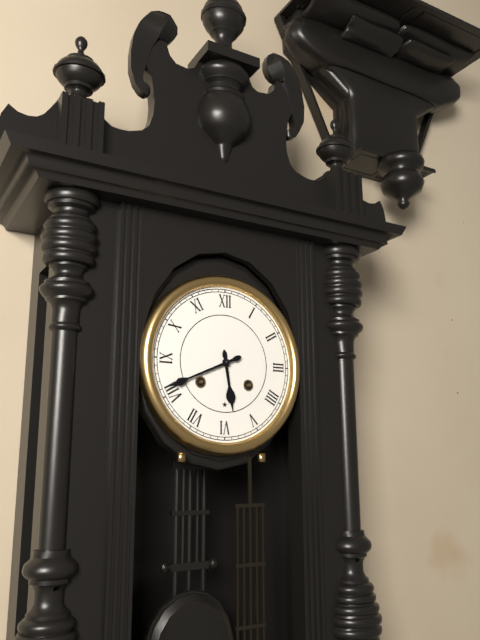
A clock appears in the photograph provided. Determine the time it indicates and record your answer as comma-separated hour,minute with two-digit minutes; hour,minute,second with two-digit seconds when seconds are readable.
5,41
